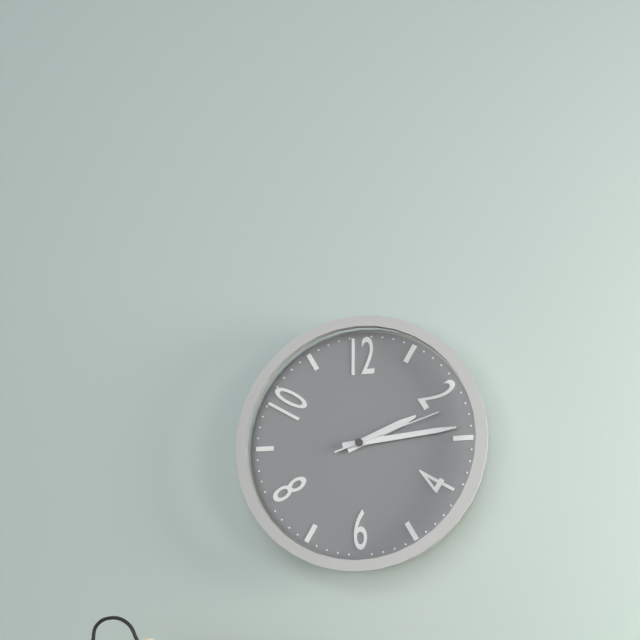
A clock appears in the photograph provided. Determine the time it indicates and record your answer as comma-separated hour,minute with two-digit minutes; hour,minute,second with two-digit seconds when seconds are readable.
2,14,12
